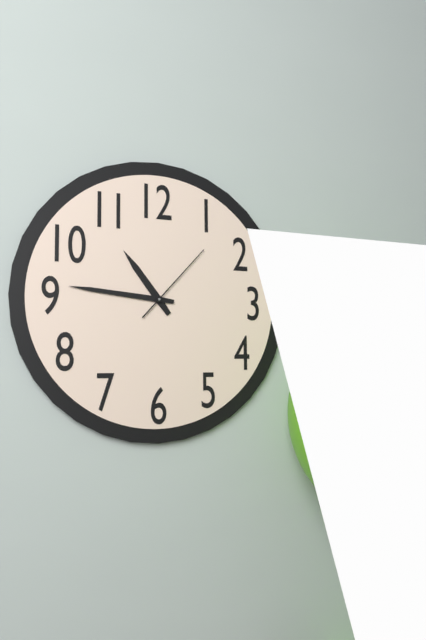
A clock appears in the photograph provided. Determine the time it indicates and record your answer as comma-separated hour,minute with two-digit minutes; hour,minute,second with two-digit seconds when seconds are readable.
10,46,07
